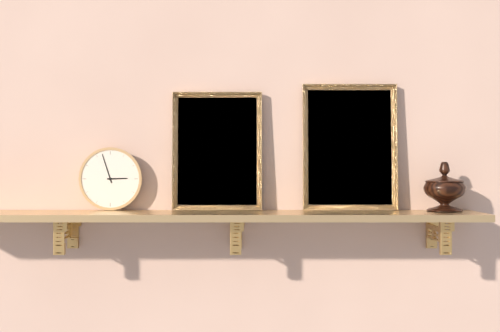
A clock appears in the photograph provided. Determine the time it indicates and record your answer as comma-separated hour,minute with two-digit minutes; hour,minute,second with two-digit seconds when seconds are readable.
2,57
